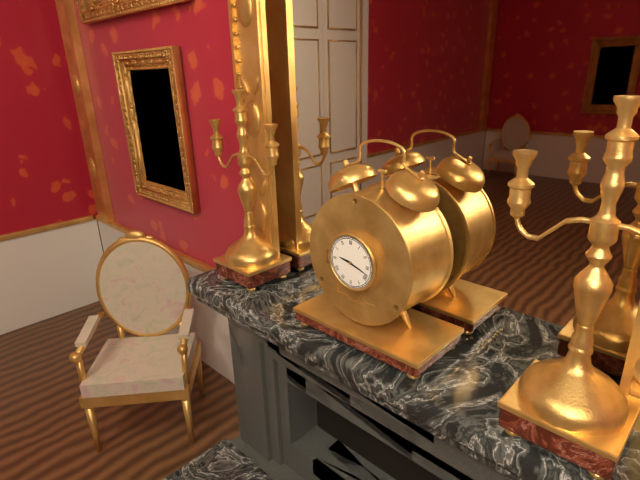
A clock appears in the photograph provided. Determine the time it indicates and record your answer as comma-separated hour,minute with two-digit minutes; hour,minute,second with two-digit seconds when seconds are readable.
9,18
